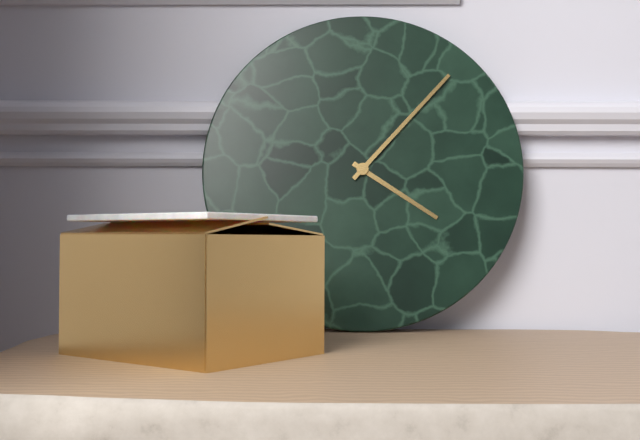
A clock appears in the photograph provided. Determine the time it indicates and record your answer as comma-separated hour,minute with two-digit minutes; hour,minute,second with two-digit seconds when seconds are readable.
4,07
